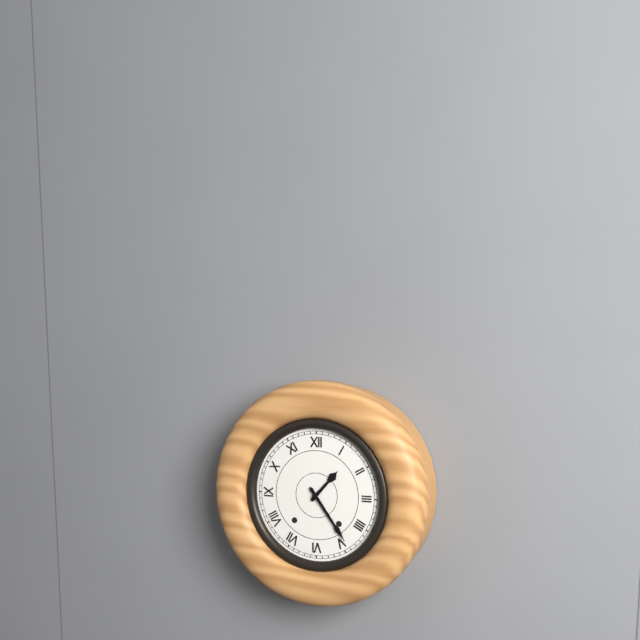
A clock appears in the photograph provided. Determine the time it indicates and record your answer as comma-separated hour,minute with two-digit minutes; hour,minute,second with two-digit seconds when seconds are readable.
1,24
